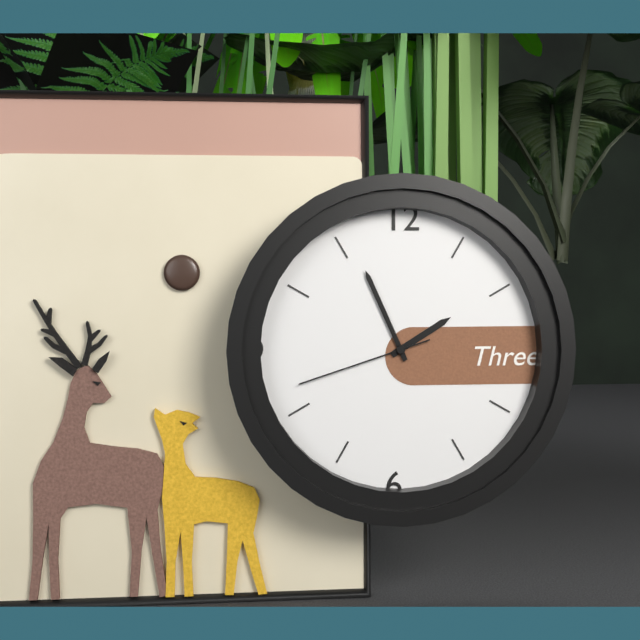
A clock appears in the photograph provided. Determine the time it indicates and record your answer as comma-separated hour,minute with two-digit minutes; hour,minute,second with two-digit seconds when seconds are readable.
1,56,42
